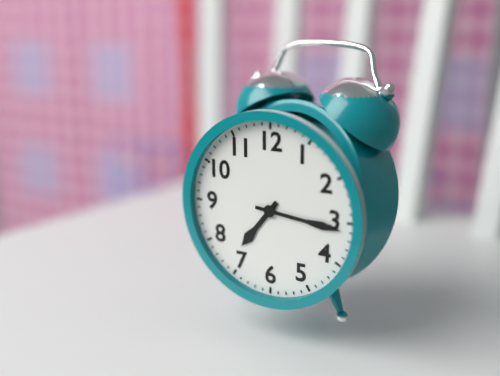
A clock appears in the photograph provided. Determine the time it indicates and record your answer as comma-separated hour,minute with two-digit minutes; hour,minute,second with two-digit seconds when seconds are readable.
7,16
